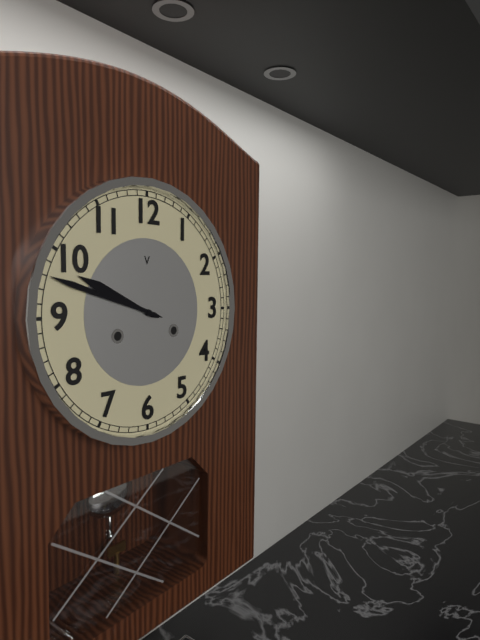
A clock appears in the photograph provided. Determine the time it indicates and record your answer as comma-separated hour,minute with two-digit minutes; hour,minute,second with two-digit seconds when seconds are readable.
9,48
